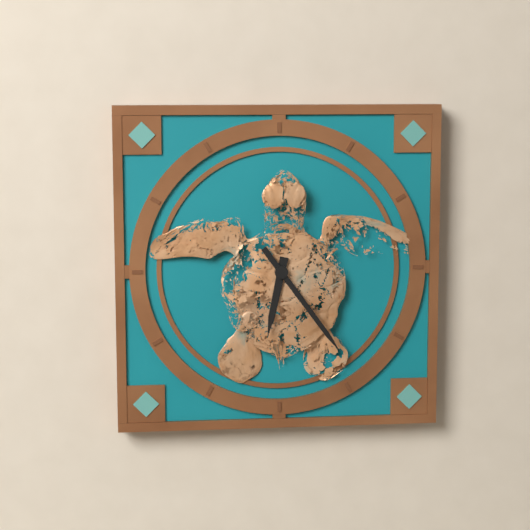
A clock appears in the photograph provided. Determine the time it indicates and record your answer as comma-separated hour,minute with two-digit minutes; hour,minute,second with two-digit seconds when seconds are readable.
6,24
